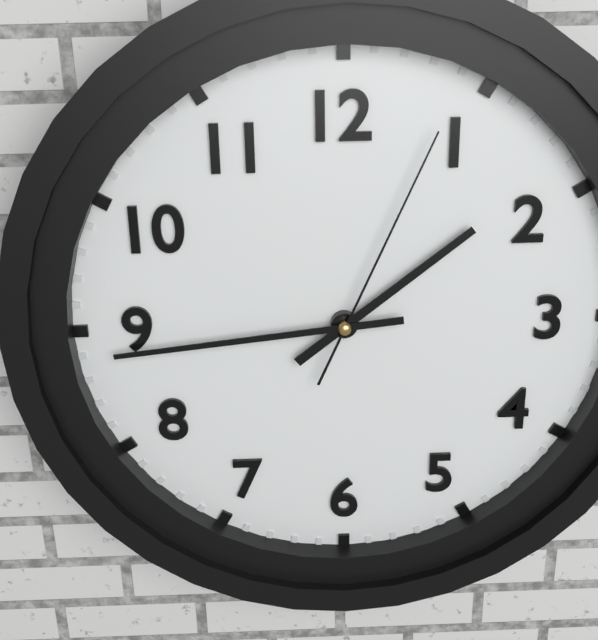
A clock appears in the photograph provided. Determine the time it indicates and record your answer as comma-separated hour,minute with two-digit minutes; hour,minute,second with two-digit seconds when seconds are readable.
1,44,04
